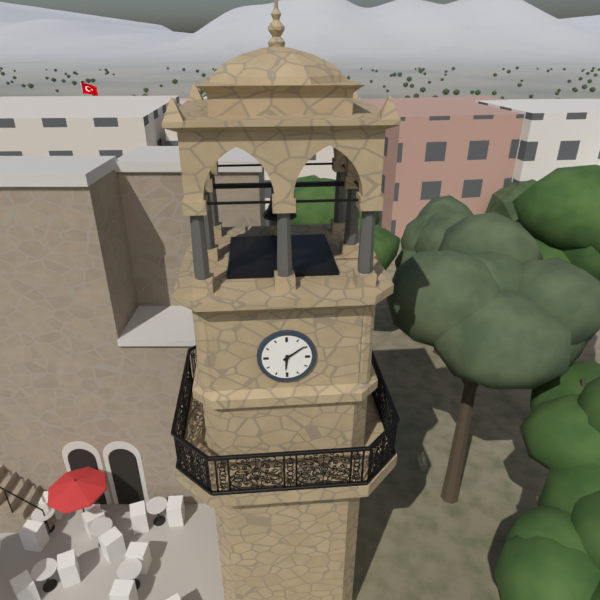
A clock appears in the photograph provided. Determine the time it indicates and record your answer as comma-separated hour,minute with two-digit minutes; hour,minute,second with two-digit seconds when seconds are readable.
6,09
